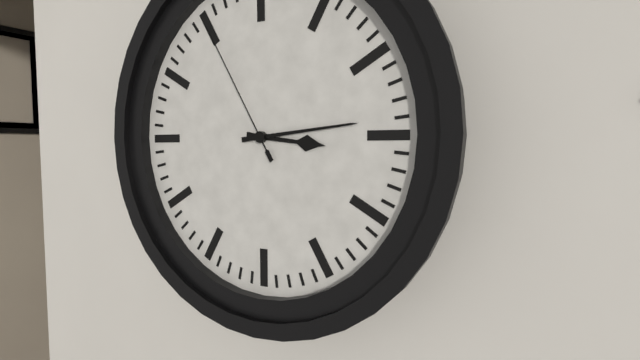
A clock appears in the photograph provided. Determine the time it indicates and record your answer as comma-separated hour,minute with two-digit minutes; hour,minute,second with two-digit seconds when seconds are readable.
3,14,55
